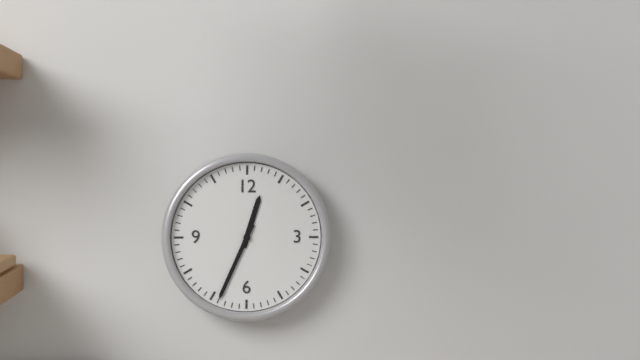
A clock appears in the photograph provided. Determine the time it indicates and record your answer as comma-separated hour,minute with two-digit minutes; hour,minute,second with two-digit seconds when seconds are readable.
12,34
